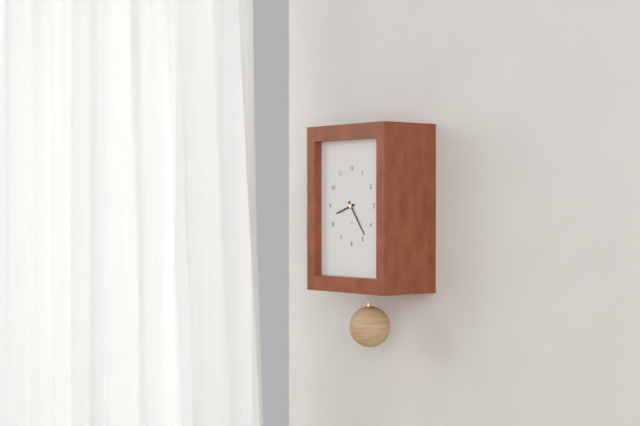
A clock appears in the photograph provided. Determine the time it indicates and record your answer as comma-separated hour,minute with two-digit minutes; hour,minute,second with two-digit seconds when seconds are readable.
8,24
